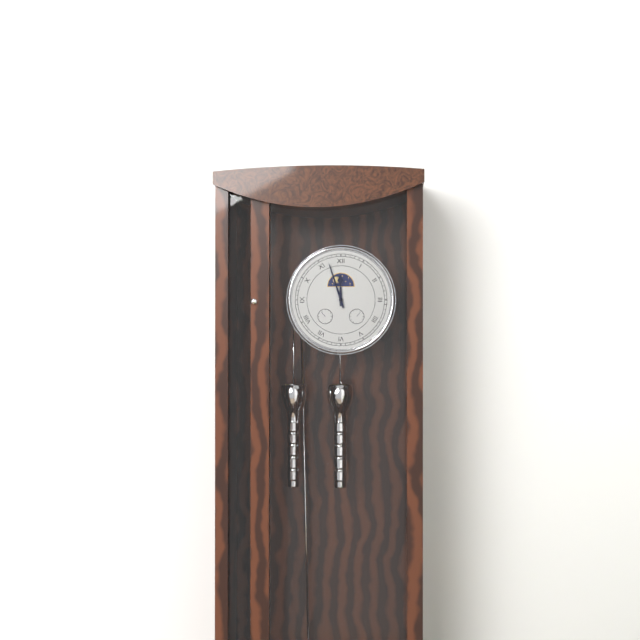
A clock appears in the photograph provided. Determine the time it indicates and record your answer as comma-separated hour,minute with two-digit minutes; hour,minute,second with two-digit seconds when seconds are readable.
11,57
